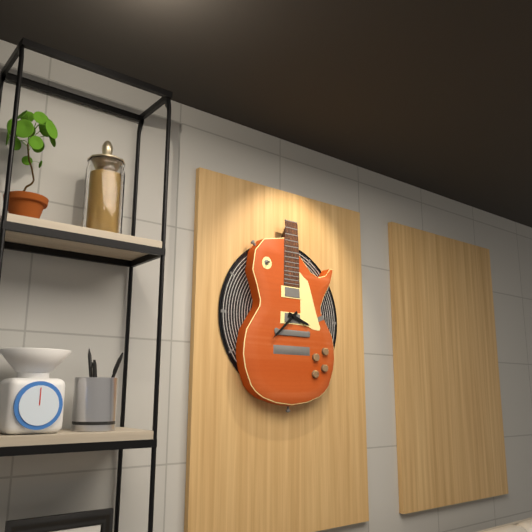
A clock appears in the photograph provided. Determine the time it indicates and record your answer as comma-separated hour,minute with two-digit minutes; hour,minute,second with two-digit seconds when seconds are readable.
3,38
